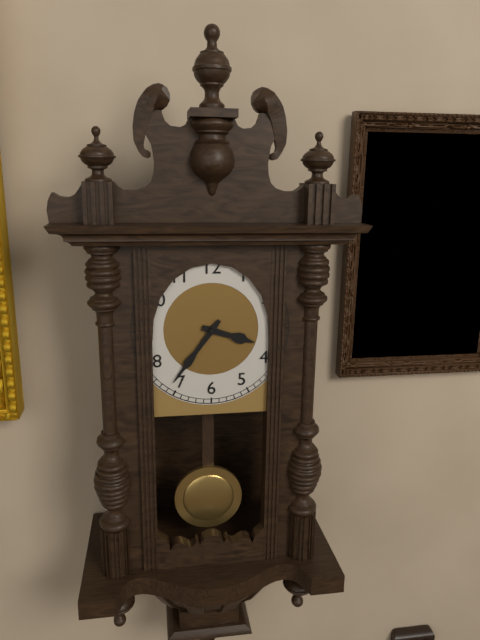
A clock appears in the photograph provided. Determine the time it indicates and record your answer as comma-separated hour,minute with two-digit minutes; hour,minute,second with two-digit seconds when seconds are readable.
3,36
